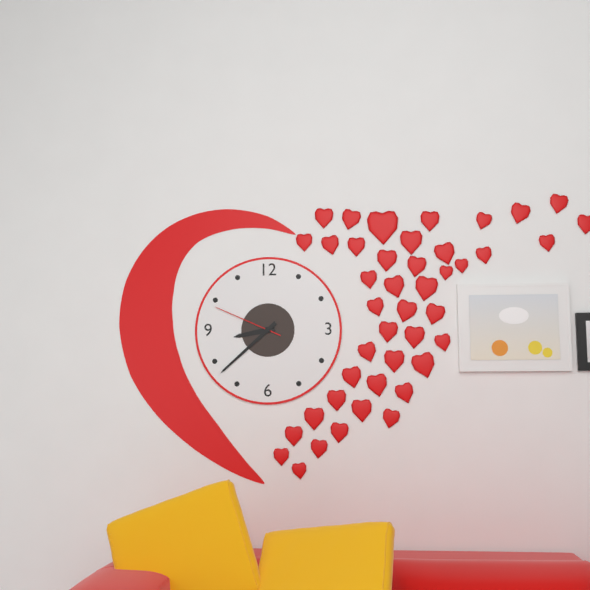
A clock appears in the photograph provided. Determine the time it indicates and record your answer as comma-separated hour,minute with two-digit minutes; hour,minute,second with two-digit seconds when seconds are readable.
8,38,49
